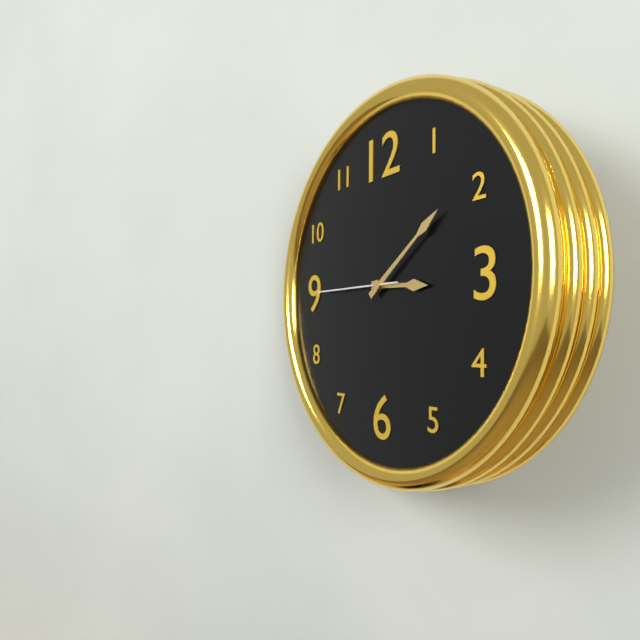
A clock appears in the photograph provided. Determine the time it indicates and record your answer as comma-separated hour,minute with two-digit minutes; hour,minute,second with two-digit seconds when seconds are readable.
3,09,45
